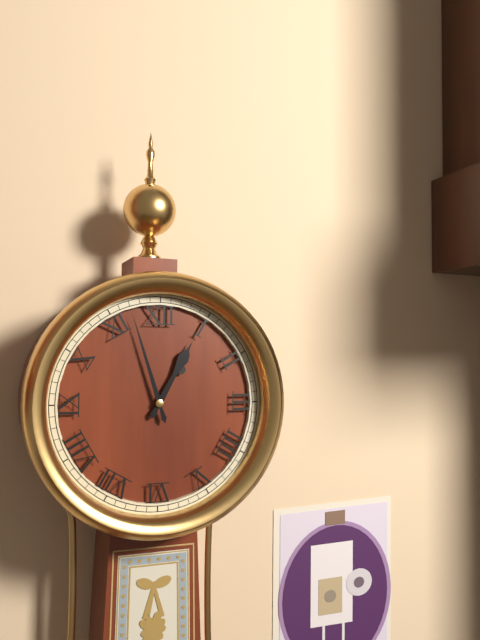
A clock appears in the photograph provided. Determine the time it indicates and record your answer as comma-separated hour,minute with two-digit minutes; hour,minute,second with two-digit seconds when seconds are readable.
12,57
